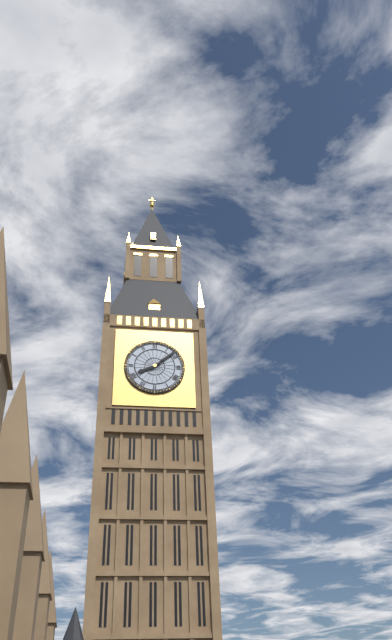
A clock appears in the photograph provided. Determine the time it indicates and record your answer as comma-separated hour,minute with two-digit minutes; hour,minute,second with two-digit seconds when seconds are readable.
8,08
